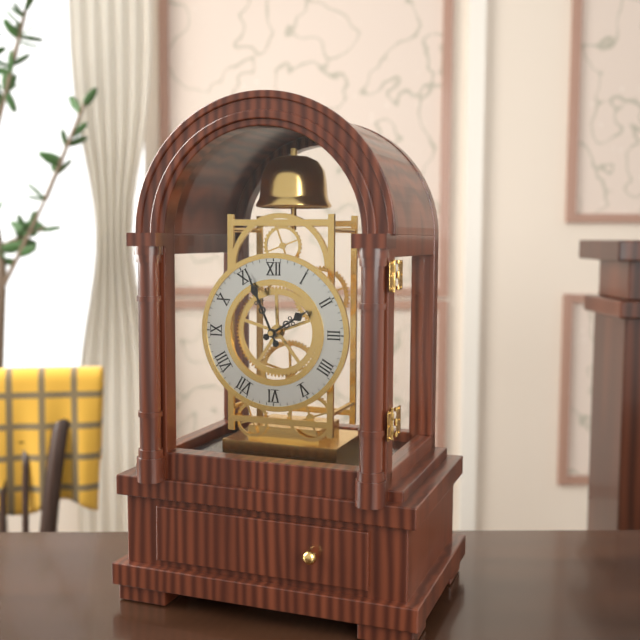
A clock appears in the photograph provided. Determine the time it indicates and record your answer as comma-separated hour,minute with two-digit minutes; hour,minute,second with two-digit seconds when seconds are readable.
1,56
